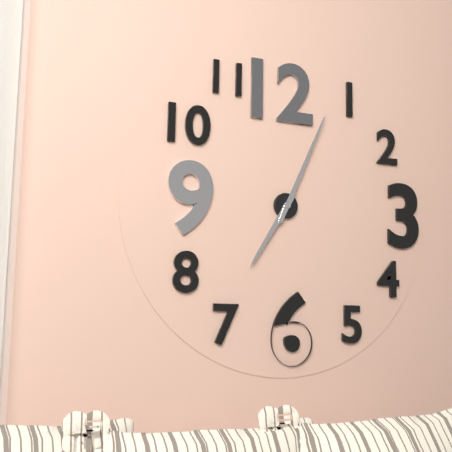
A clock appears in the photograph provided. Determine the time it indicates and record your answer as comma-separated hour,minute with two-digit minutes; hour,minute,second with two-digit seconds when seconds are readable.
7,04
